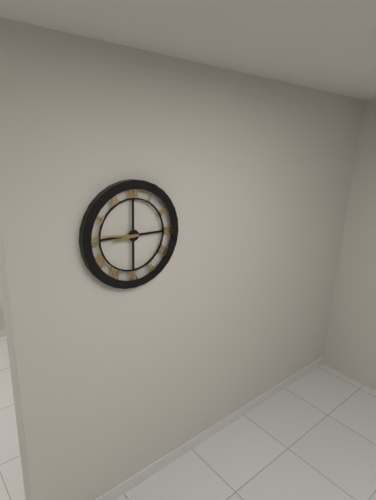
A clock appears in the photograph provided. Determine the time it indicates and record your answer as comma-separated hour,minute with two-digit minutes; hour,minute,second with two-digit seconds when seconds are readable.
8,46
